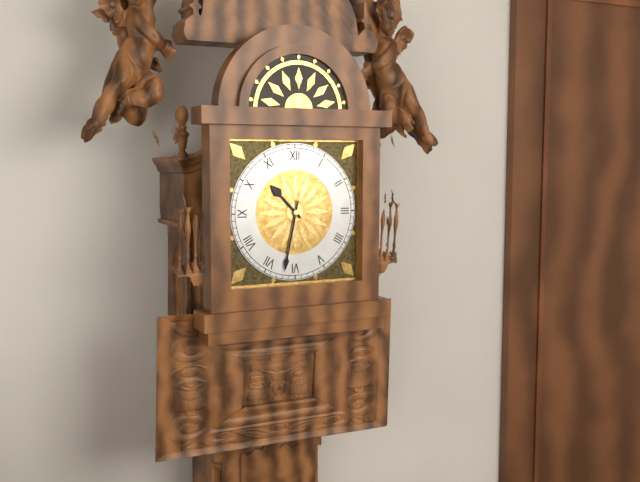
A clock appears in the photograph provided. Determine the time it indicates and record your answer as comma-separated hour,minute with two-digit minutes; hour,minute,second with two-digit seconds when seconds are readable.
10,32
